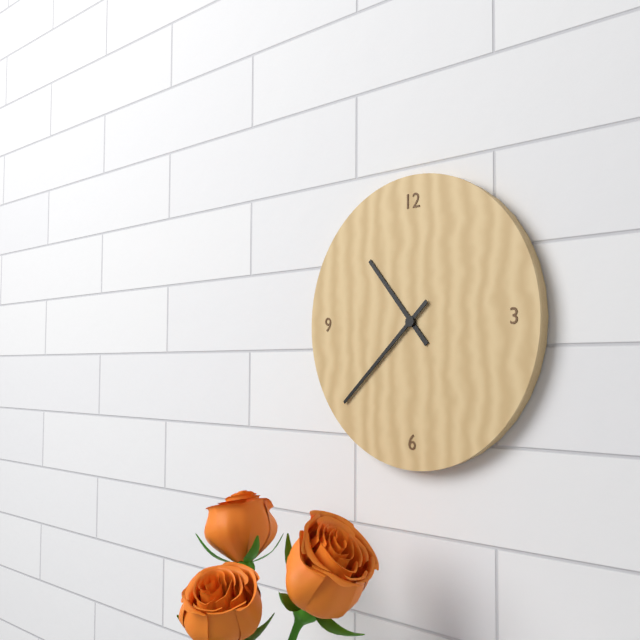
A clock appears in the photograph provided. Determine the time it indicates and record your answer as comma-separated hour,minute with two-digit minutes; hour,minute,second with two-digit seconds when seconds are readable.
10,38
